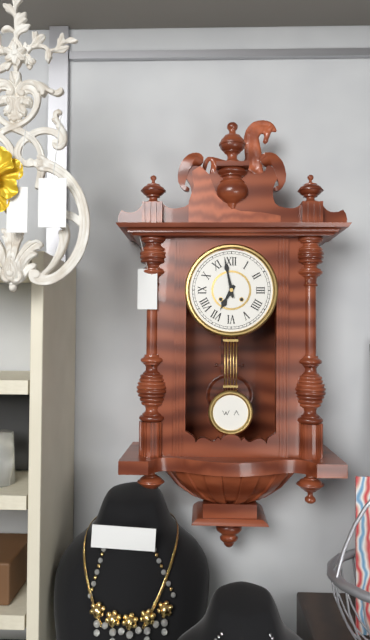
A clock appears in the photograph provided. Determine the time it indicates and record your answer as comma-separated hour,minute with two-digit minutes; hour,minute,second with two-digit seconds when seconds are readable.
6,58
